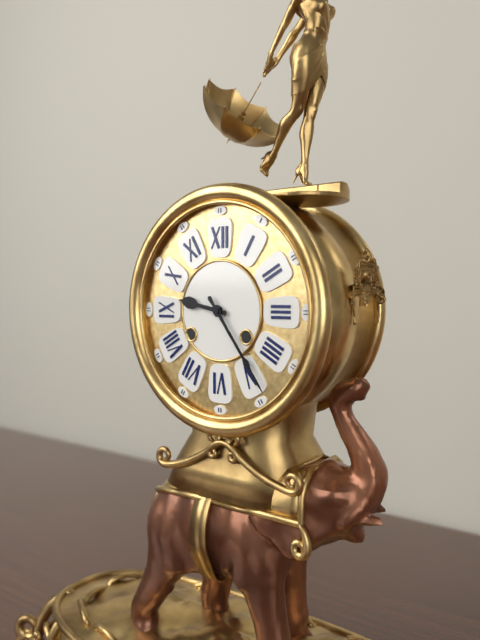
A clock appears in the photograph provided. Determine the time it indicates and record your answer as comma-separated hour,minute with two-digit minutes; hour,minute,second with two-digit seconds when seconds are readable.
9,24
